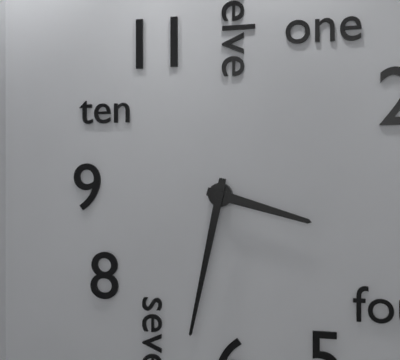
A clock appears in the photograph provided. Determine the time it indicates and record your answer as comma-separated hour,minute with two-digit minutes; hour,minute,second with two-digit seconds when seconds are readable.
3,32
